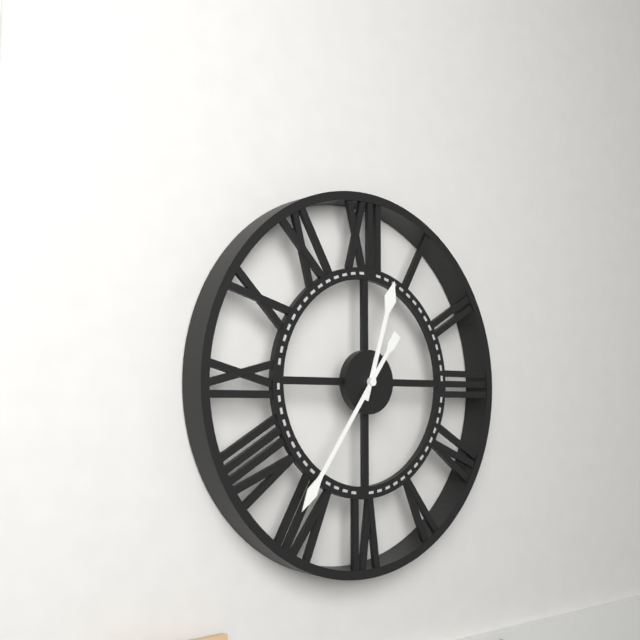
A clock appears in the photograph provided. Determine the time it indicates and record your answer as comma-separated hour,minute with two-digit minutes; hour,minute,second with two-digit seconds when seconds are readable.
12,36
